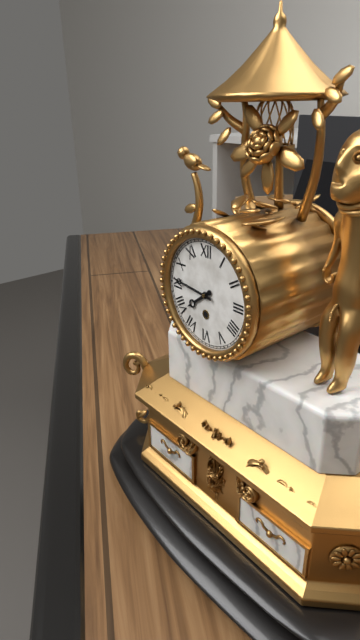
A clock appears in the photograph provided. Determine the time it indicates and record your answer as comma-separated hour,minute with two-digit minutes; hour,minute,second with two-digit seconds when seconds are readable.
7,46
